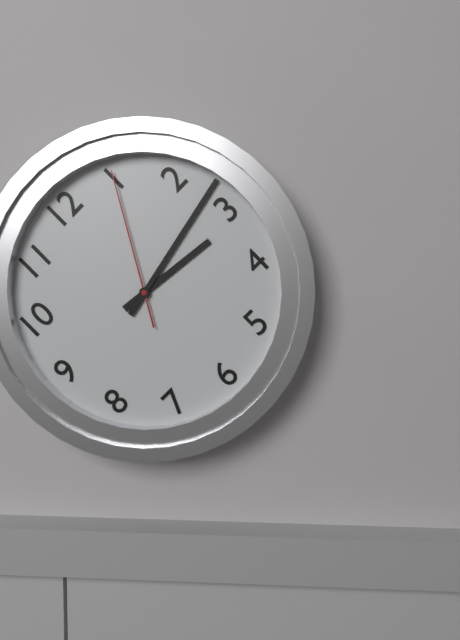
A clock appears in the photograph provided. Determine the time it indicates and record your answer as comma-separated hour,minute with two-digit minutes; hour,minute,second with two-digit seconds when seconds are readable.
3,13,05
